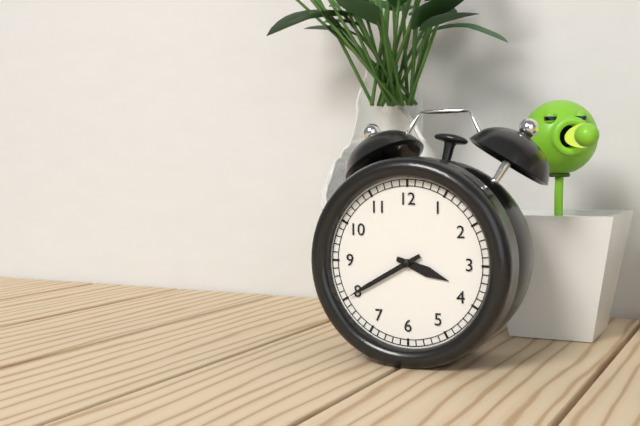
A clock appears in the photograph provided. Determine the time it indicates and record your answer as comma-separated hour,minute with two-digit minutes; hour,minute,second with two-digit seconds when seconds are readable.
3,40
